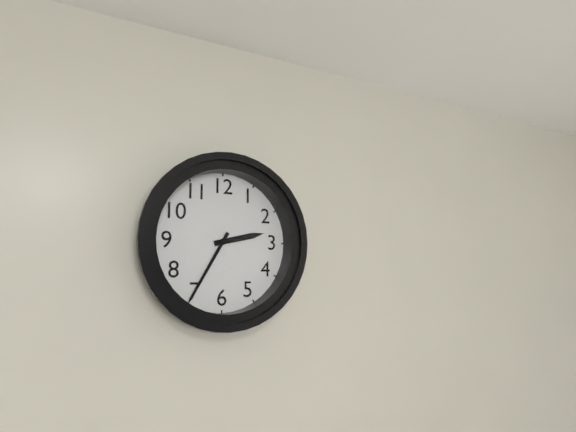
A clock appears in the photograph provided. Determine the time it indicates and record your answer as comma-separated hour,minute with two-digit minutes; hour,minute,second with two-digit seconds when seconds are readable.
2,35
